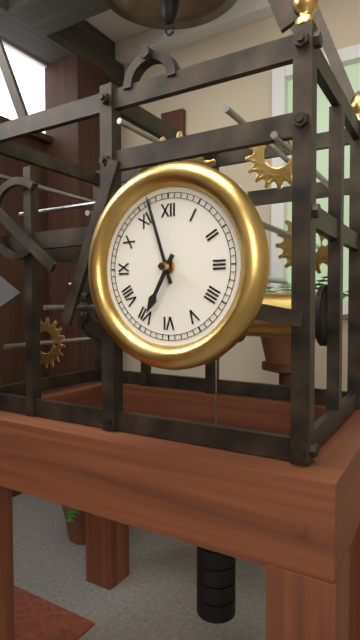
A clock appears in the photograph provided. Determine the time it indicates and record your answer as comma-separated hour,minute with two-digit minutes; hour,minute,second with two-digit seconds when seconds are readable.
6,57
